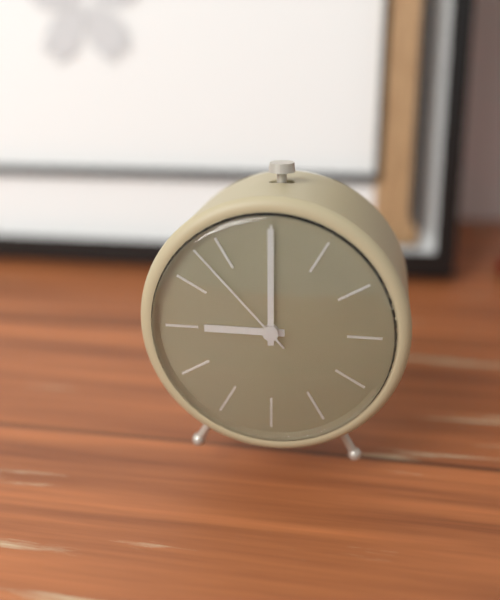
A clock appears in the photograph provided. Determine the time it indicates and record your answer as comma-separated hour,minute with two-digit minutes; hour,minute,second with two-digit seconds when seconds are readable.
9,00,53
